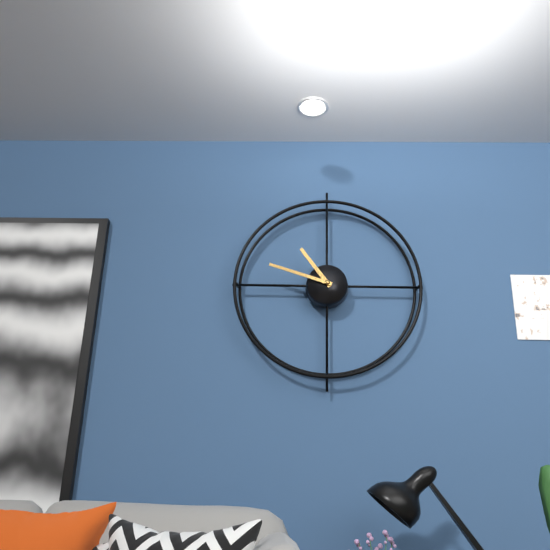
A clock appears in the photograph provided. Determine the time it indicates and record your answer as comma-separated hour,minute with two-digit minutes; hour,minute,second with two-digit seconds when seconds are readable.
10,48
